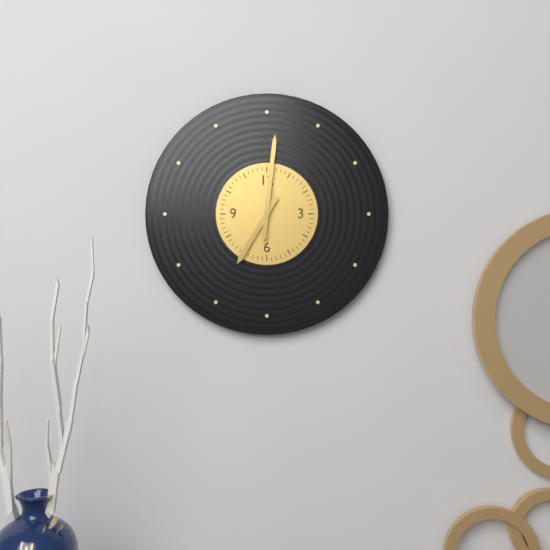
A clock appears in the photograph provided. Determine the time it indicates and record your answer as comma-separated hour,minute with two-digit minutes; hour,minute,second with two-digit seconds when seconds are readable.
7,01
